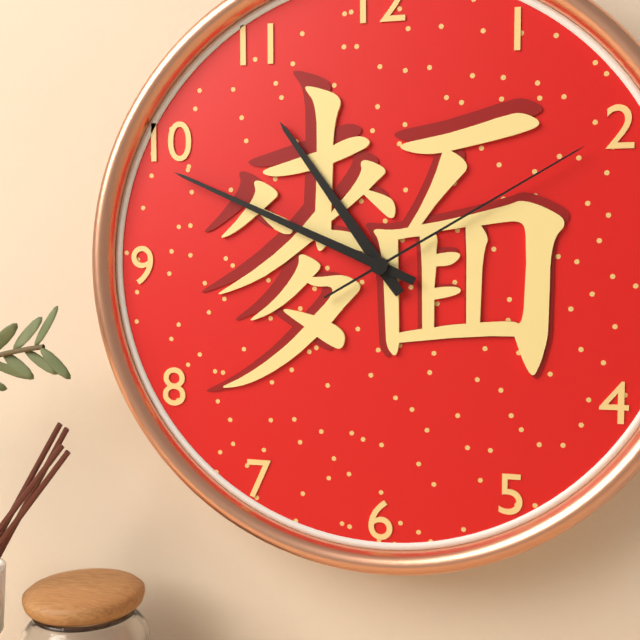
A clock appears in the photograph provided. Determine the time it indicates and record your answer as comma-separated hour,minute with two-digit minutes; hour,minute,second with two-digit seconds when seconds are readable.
10,49,10
